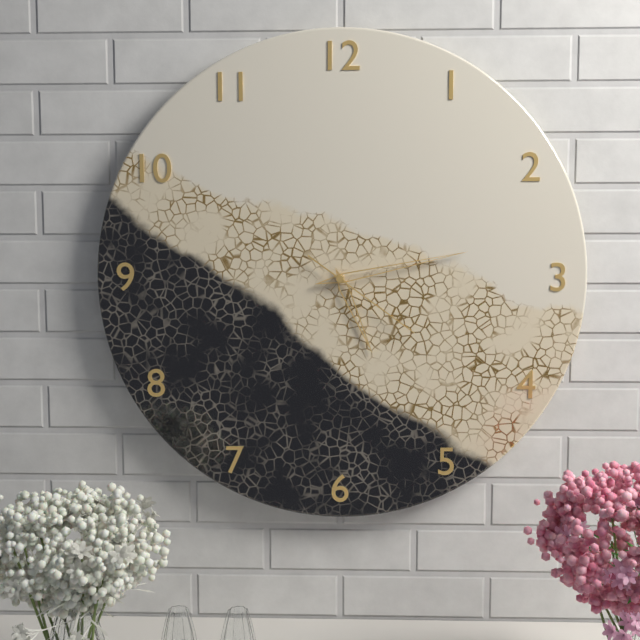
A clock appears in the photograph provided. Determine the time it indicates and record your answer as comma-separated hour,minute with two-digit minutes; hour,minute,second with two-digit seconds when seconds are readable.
5,13,21
